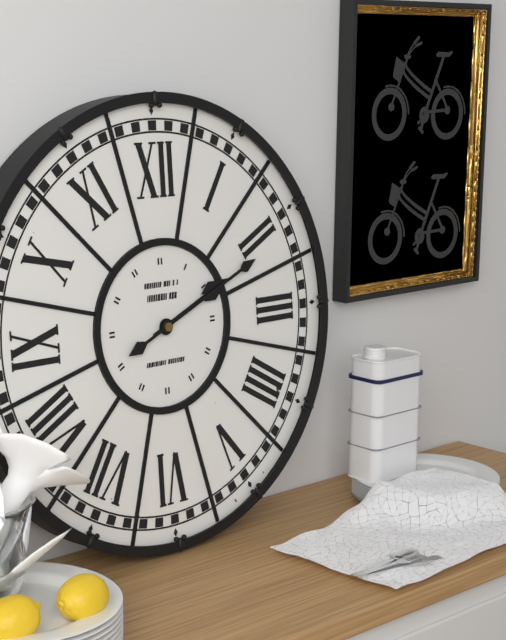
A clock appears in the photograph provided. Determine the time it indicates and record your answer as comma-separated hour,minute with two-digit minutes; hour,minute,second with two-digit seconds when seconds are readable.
2,11
